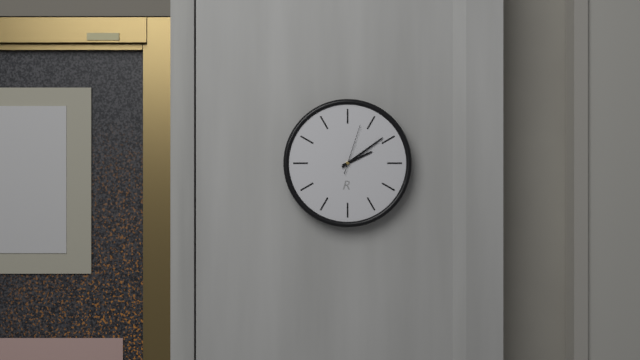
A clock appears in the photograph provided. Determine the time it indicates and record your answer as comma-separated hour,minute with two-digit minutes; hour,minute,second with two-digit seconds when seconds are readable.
2,09,03
